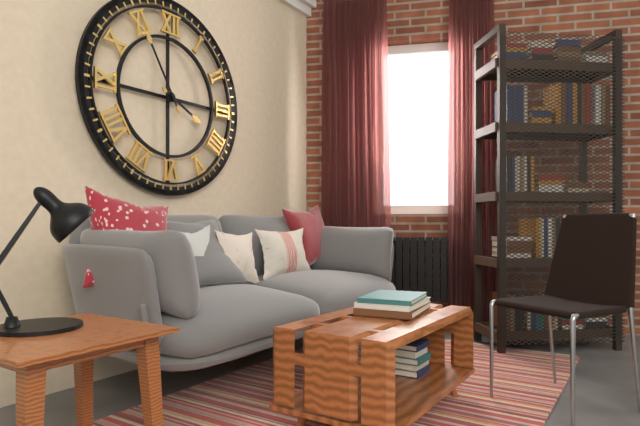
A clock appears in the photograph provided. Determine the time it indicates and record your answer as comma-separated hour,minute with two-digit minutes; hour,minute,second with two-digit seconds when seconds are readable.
3,55
